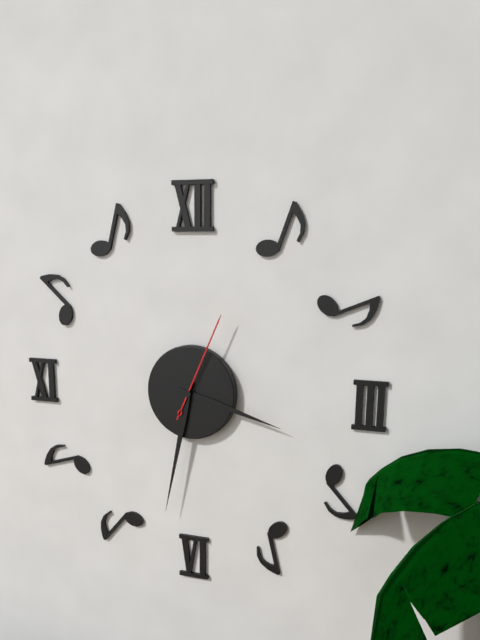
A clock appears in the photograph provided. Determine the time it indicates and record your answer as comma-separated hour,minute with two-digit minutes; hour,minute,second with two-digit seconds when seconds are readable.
3,32,04
